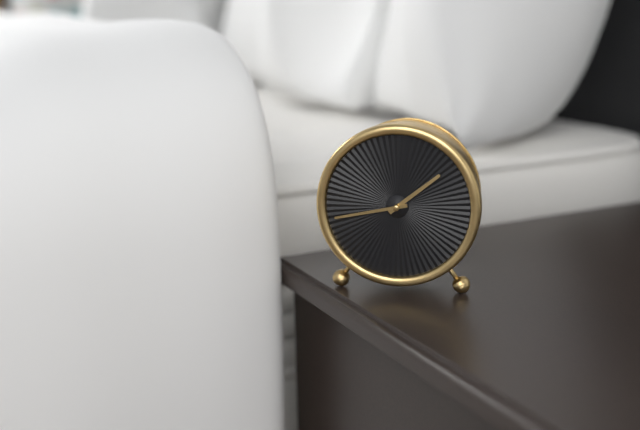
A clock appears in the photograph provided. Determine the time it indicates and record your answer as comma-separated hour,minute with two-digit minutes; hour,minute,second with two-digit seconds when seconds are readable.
1,43
